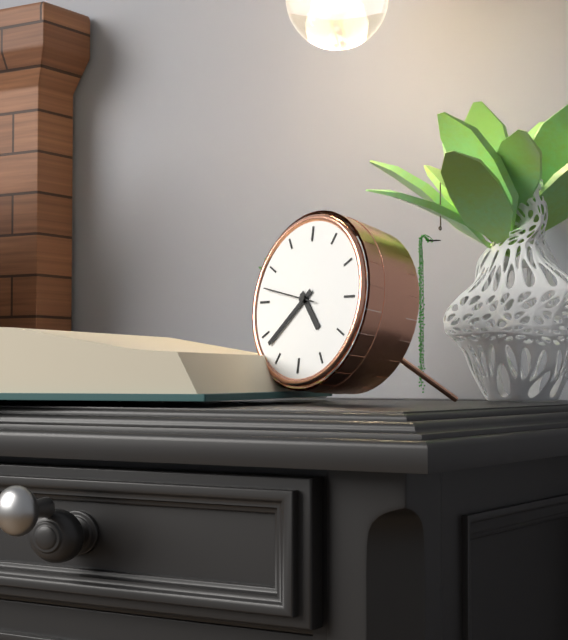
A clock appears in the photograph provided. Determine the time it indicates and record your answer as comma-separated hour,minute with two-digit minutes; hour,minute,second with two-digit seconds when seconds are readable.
4,38,47
